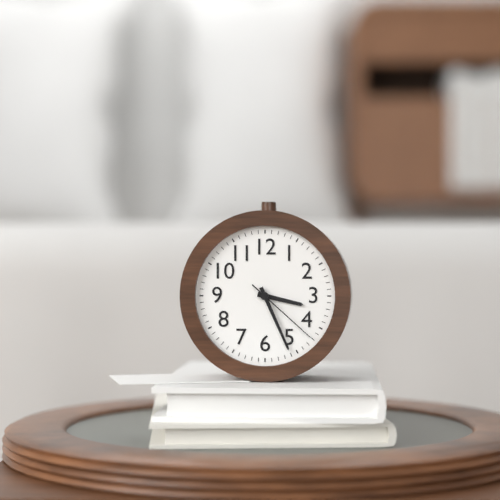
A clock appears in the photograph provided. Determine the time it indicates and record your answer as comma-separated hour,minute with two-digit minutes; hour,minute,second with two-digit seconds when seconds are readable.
3,26,22
